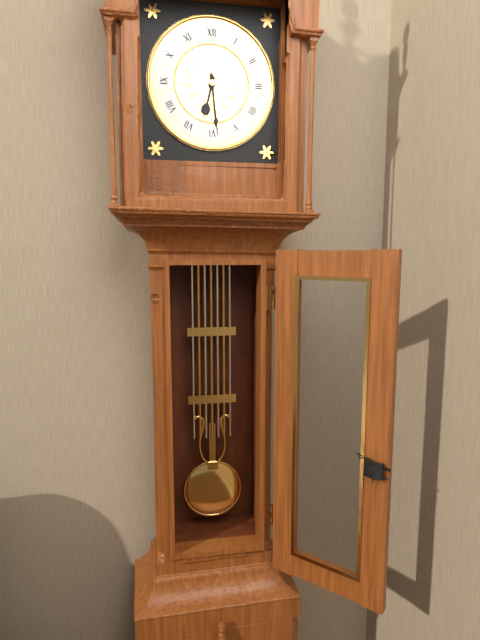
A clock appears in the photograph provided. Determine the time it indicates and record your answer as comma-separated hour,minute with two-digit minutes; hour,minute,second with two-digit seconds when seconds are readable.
6,29
